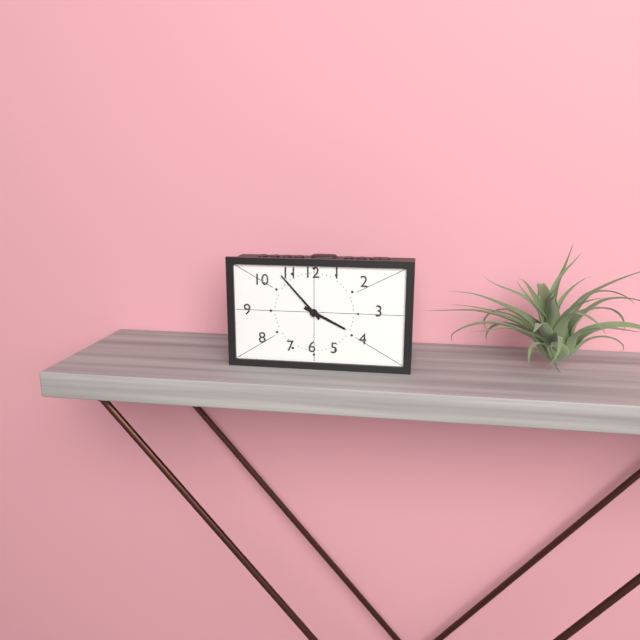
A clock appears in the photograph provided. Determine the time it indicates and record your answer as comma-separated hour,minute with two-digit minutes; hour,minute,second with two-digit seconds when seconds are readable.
3,53
